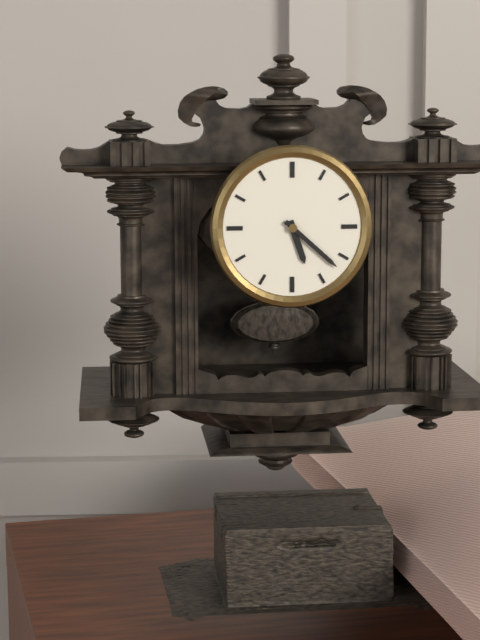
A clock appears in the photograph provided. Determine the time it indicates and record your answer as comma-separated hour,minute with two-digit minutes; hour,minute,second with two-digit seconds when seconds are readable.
5,22
